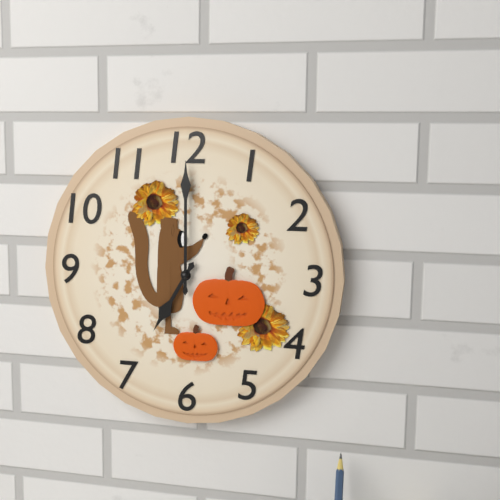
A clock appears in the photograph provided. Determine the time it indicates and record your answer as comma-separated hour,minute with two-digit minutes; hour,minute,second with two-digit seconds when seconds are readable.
7,00
